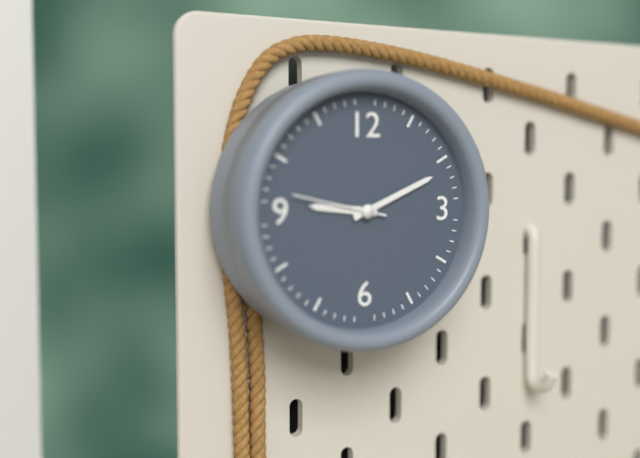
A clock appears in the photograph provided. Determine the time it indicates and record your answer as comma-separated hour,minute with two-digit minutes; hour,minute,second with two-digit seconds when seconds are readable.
9,11,47
